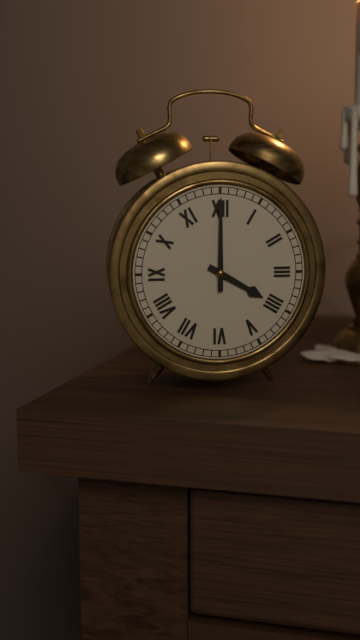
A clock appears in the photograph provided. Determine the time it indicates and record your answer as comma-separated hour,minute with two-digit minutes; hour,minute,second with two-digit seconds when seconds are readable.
4,00
